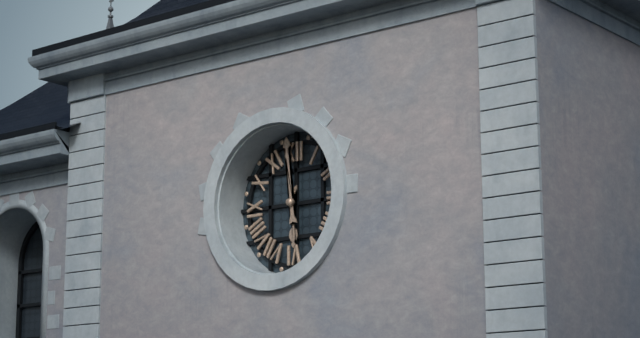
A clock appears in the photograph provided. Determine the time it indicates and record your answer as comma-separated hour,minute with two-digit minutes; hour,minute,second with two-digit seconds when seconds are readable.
5,59
